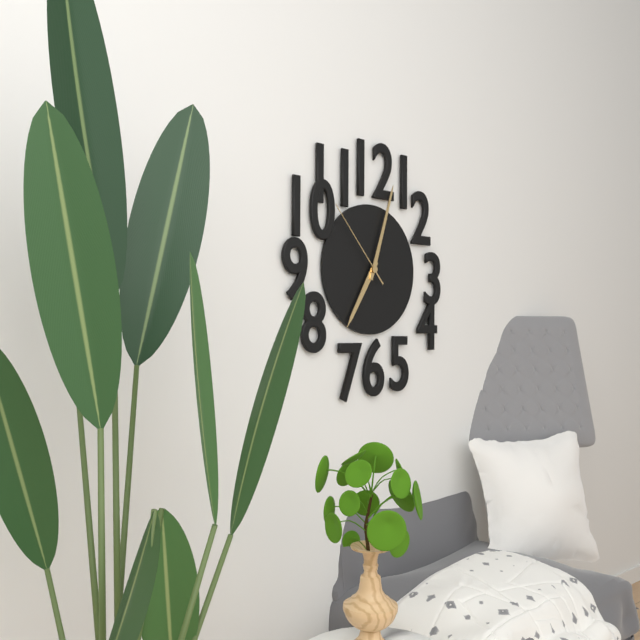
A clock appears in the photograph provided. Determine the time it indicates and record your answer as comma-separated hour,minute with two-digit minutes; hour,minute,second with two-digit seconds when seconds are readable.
7,03,53
